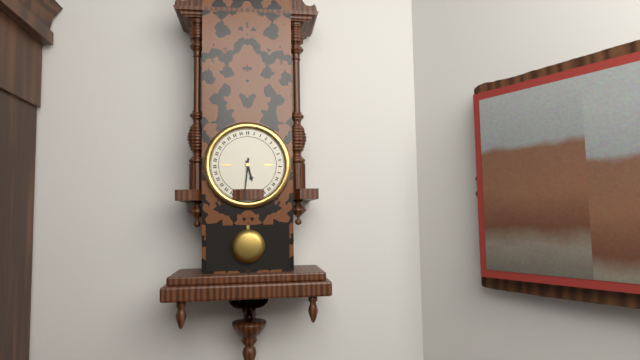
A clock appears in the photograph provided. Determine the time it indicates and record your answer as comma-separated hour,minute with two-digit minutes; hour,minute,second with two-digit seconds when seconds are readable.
5,31
